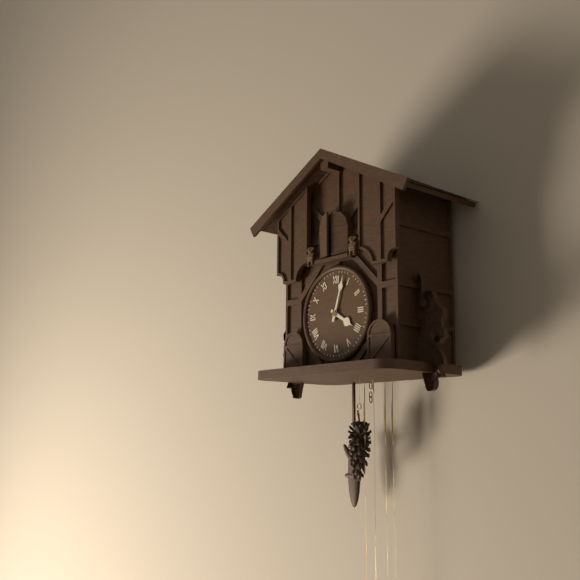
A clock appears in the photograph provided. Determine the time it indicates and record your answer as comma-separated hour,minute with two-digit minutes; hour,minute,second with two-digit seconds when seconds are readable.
4,03
